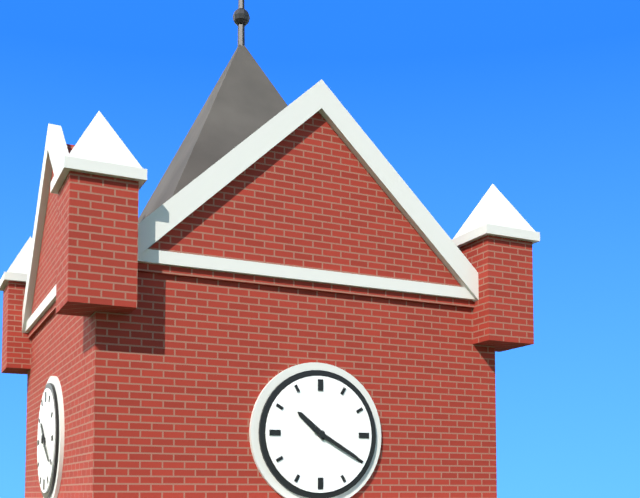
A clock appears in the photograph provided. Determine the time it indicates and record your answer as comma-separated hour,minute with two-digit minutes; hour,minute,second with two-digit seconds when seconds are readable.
10,20
